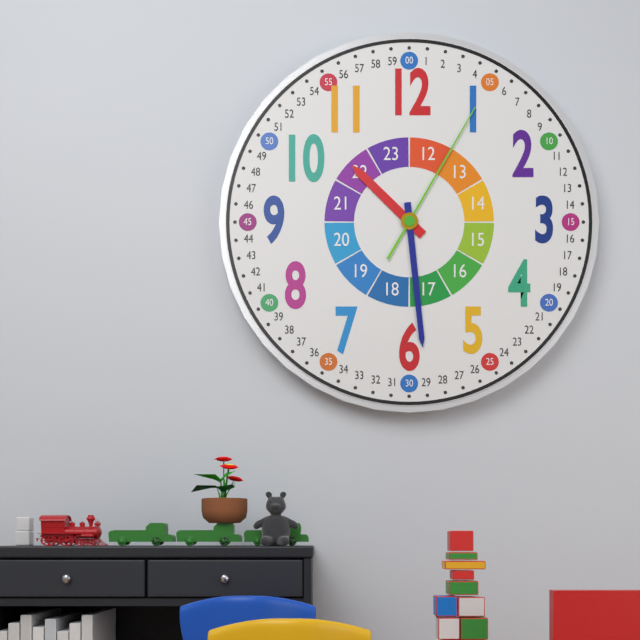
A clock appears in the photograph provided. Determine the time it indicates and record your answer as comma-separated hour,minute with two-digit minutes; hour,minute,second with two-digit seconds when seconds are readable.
10,29,05
